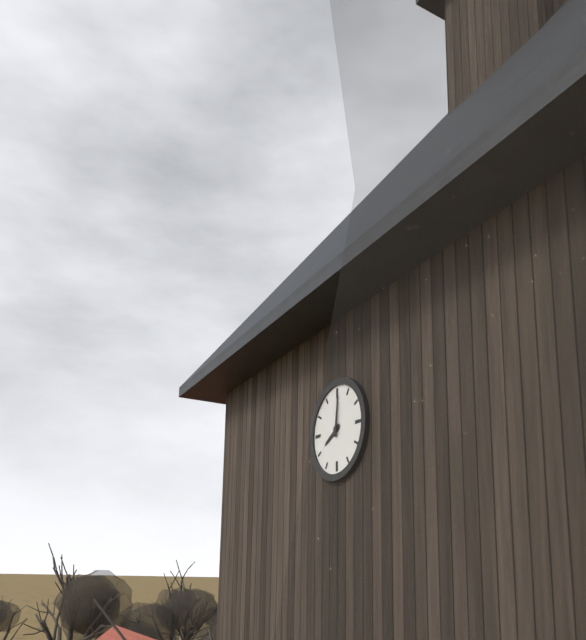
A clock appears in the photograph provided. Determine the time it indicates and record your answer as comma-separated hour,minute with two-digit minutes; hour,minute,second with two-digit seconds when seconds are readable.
8,01
